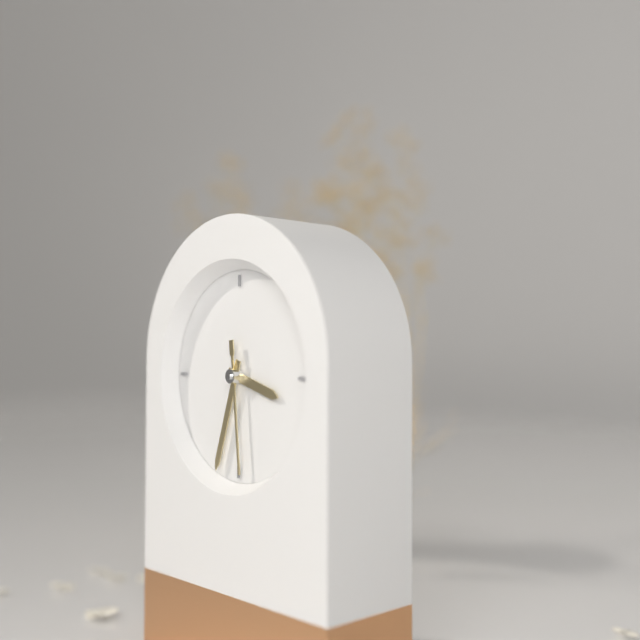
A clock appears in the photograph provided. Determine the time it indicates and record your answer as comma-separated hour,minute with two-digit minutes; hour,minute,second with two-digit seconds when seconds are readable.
3,33,29
